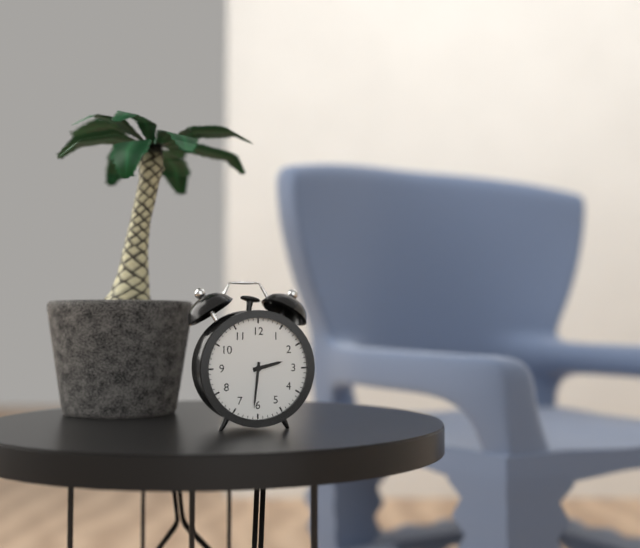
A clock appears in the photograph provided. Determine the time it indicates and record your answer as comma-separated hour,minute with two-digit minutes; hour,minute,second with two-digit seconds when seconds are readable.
2,31
